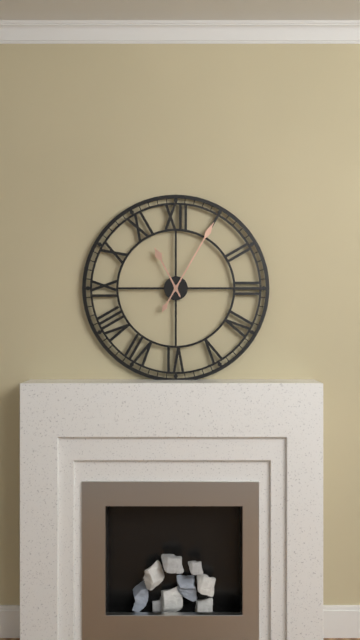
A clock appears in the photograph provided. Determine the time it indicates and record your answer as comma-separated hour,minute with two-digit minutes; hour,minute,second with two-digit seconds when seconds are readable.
11,05
